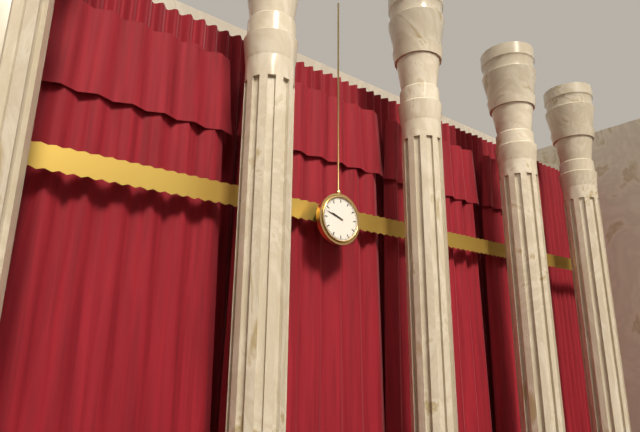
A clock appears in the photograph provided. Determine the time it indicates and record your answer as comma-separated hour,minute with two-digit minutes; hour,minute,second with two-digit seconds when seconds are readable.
9,48
